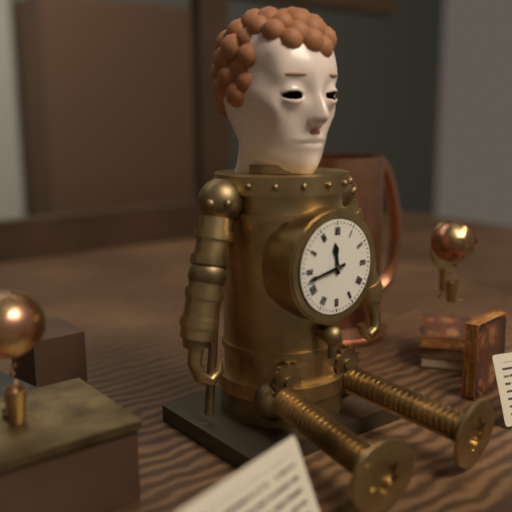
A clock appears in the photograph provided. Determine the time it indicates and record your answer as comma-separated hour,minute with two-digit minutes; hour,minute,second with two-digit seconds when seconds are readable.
11,43
